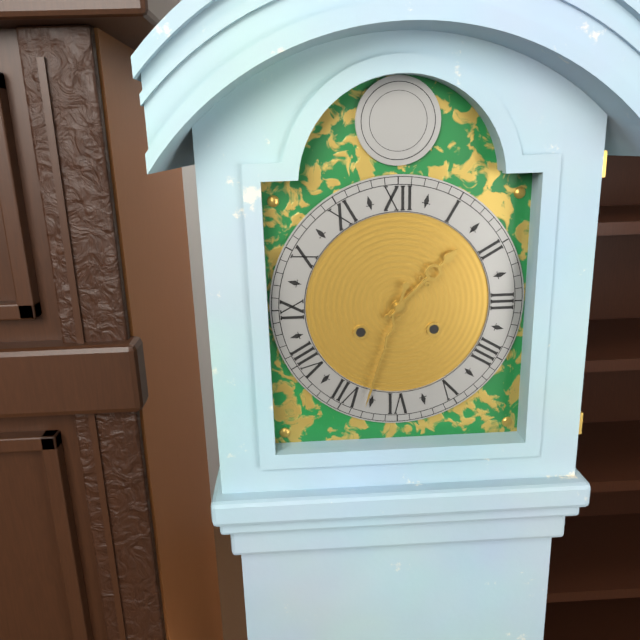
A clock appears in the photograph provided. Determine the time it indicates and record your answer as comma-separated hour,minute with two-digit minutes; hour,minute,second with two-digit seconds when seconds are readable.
1,33
